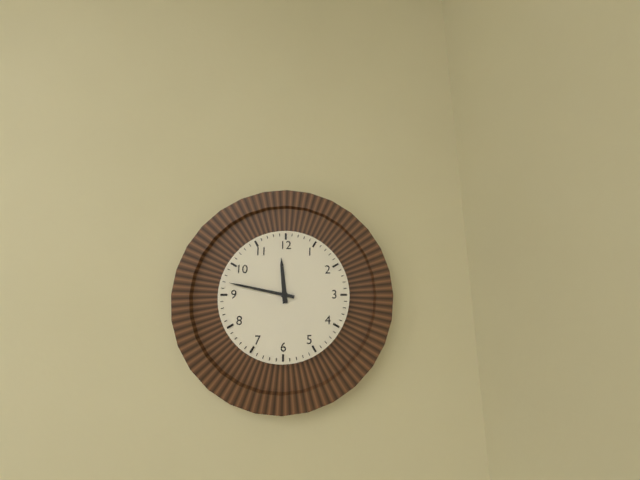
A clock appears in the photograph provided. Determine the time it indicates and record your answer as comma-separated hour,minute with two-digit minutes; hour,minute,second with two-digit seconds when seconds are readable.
11,47
